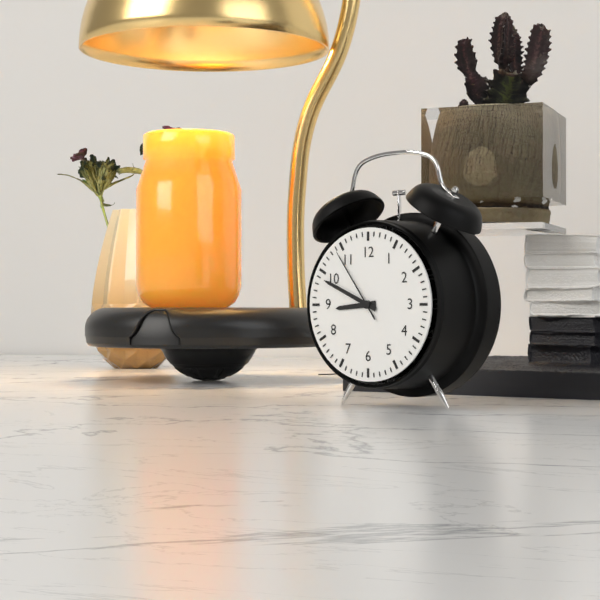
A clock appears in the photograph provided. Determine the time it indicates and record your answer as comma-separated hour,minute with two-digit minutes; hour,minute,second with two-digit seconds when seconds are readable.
8,49,54
